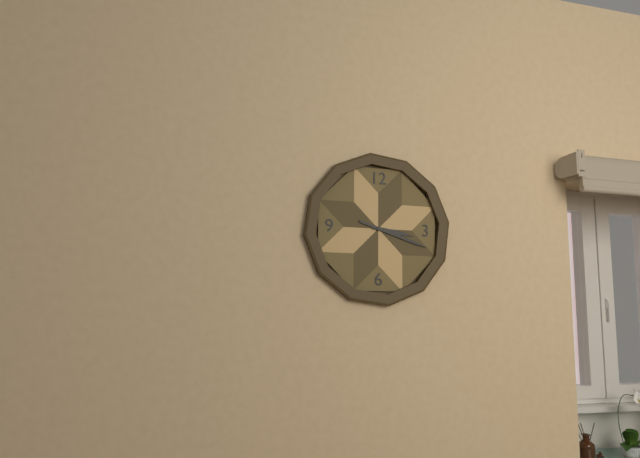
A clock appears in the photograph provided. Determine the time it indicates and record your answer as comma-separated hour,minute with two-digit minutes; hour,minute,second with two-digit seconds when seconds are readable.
3,18
